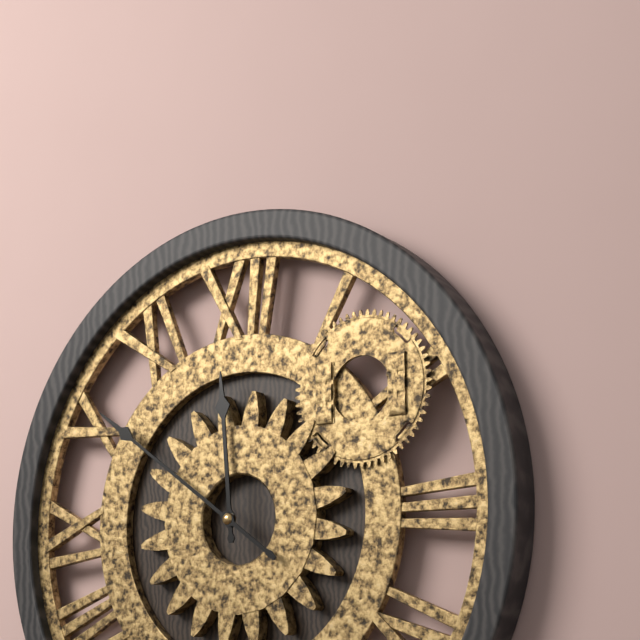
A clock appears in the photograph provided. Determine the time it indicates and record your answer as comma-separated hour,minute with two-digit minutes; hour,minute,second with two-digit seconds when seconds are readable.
11,51
